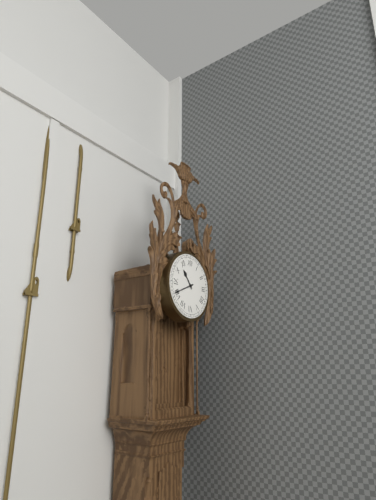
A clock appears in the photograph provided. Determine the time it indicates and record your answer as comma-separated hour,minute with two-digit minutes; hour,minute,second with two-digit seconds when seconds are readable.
10,41
